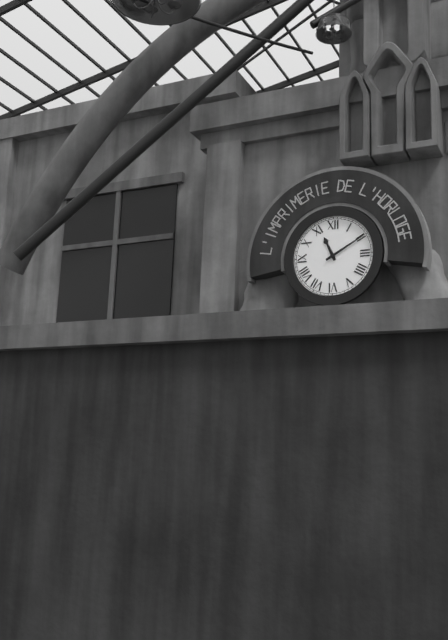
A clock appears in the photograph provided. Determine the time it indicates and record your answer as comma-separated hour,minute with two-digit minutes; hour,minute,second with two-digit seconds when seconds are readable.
11,10
